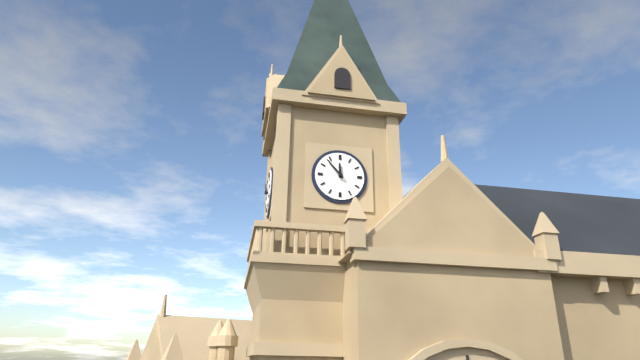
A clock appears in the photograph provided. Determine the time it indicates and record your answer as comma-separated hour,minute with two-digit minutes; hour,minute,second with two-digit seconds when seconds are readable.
11,53
